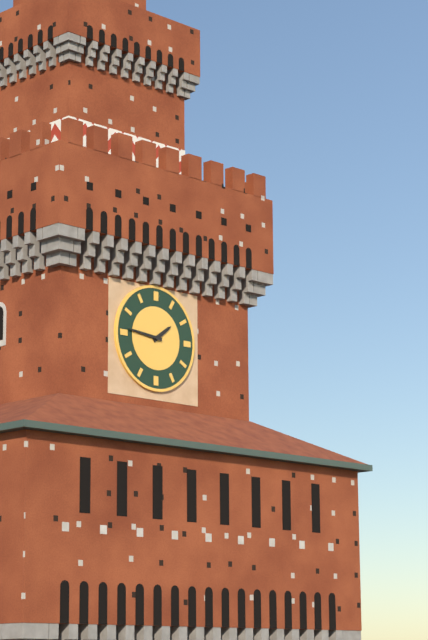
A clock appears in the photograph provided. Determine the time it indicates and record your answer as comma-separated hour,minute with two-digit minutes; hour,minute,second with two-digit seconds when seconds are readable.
1,46
